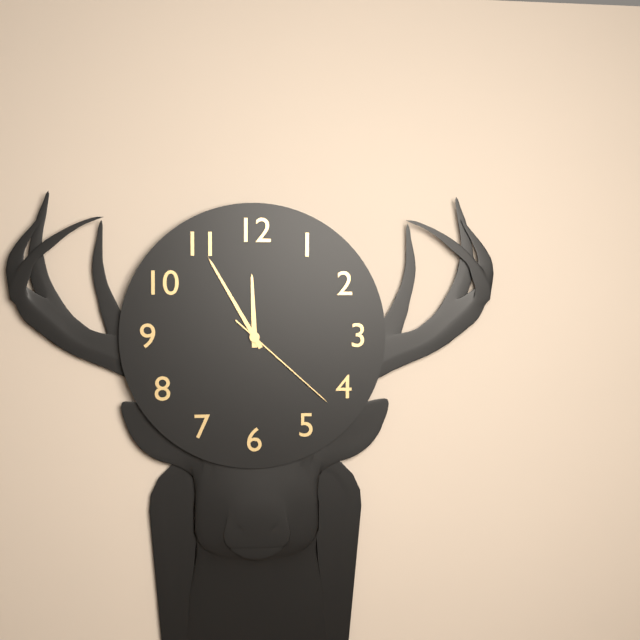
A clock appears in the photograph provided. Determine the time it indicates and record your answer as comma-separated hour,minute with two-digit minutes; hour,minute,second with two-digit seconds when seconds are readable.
11,55,22
